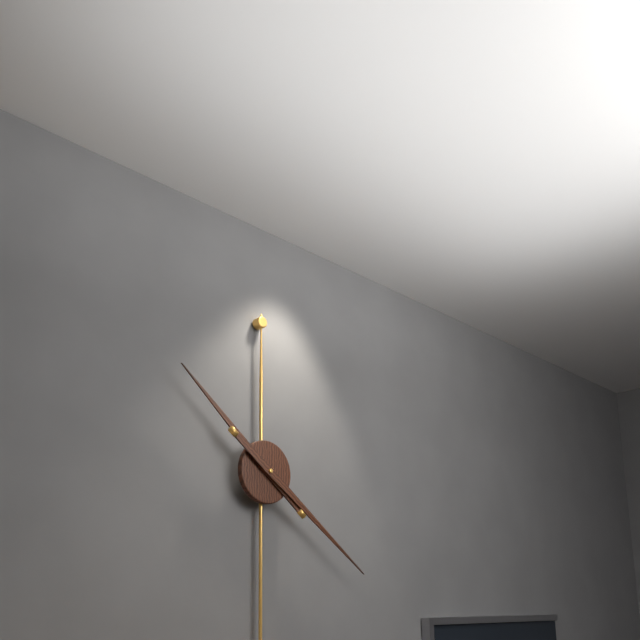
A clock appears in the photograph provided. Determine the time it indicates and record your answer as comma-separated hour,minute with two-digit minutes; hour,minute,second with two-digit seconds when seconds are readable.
10,21
